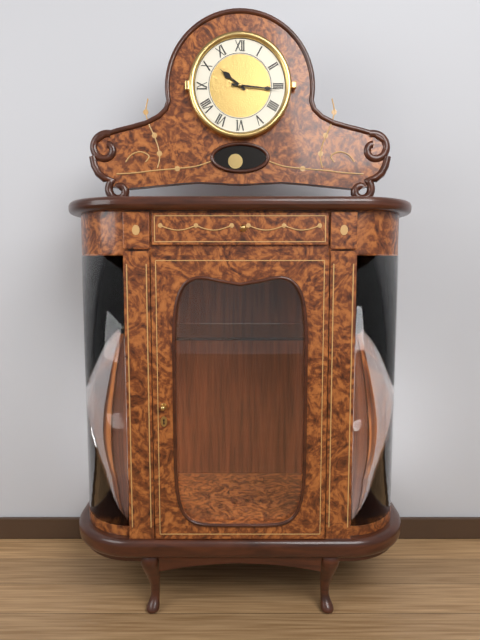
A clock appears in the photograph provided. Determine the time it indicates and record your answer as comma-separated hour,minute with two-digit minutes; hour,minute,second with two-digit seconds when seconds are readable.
10,16
